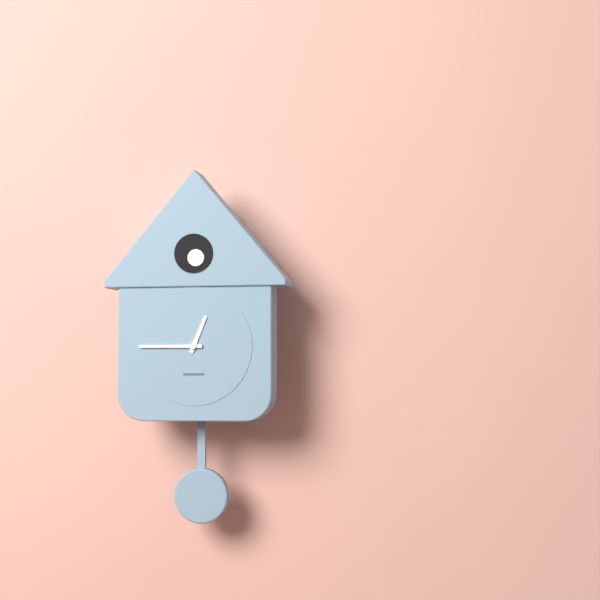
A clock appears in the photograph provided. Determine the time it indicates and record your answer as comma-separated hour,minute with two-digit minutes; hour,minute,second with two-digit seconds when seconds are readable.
12,45
